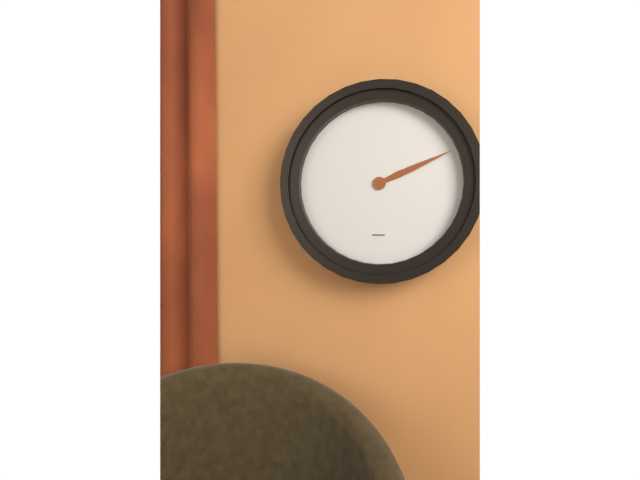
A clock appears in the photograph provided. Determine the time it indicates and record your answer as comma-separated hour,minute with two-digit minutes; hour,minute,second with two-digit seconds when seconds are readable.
2,11
